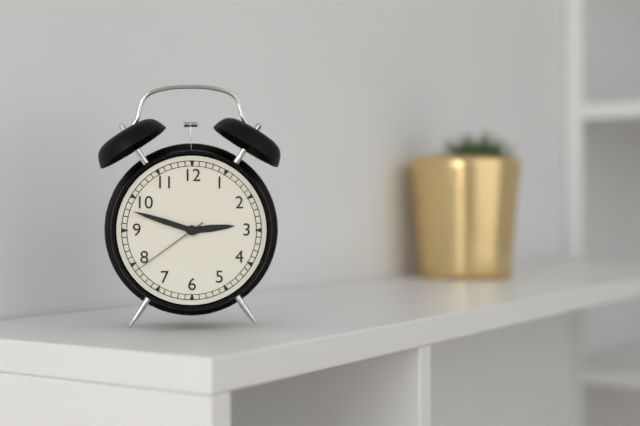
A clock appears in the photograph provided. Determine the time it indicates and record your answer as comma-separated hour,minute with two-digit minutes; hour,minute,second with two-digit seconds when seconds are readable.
2,48,39
